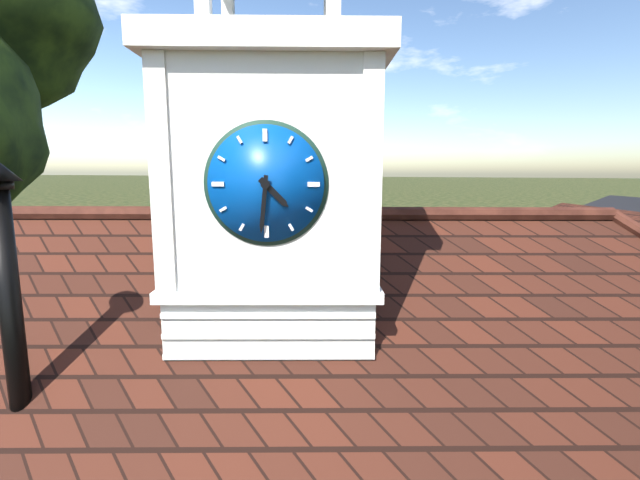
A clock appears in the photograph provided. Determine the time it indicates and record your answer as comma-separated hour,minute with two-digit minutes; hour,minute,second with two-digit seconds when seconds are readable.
4,31
